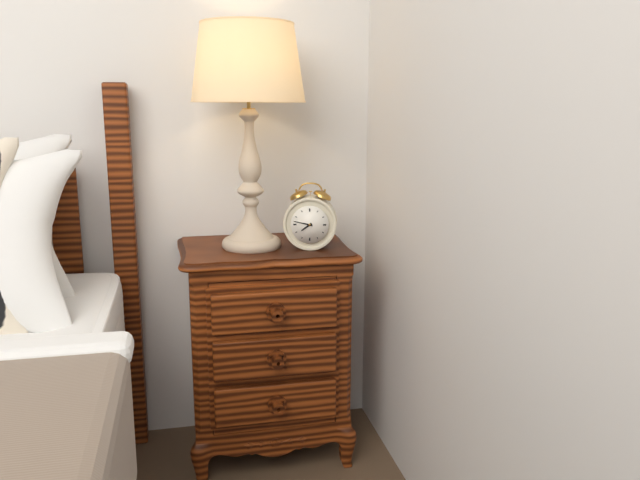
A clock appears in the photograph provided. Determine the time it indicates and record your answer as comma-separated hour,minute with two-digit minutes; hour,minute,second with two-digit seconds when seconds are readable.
7,47
